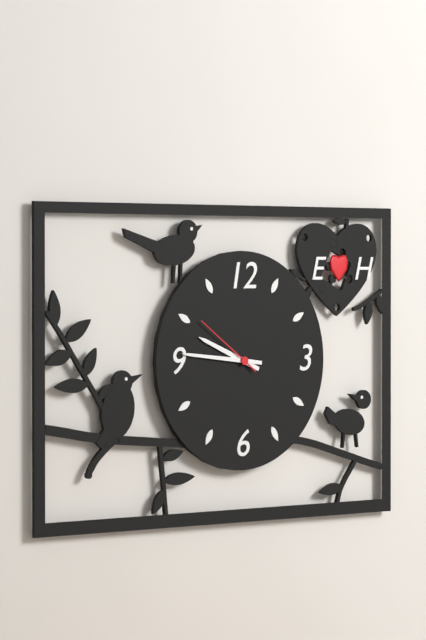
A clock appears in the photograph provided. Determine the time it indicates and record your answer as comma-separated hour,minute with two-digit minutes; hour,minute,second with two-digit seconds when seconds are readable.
9,46,51
